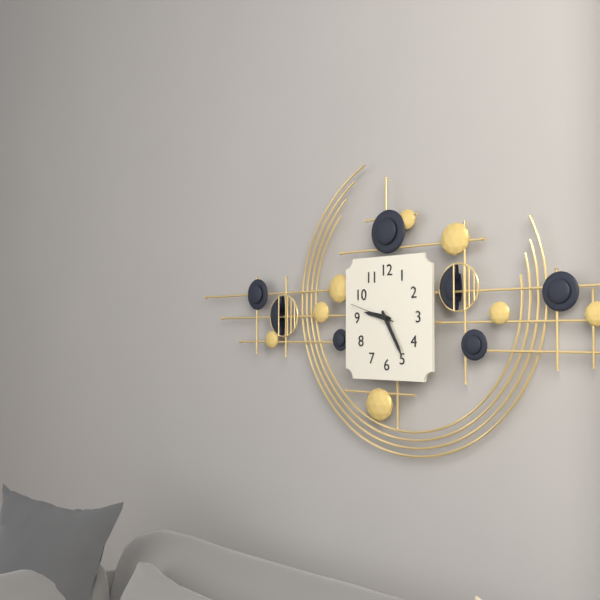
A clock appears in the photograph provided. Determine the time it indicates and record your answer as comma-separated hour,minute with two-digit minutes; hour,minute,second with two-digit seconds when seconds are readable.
9,25
